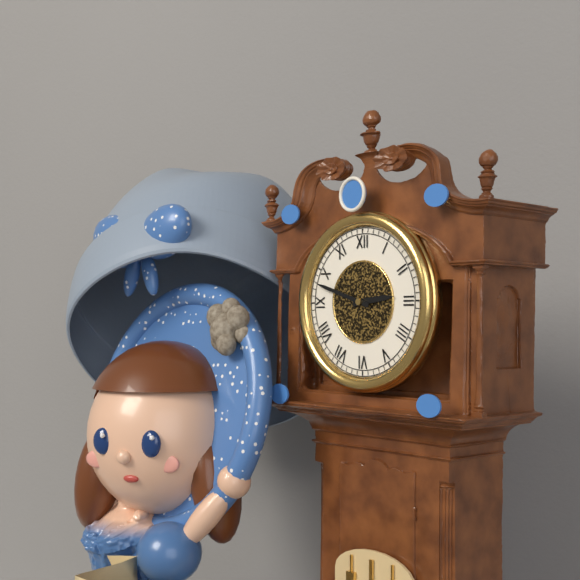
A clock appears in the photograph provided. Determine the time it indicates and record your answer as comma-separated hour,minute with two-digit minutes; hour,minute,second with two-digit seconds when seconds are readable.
2,48
